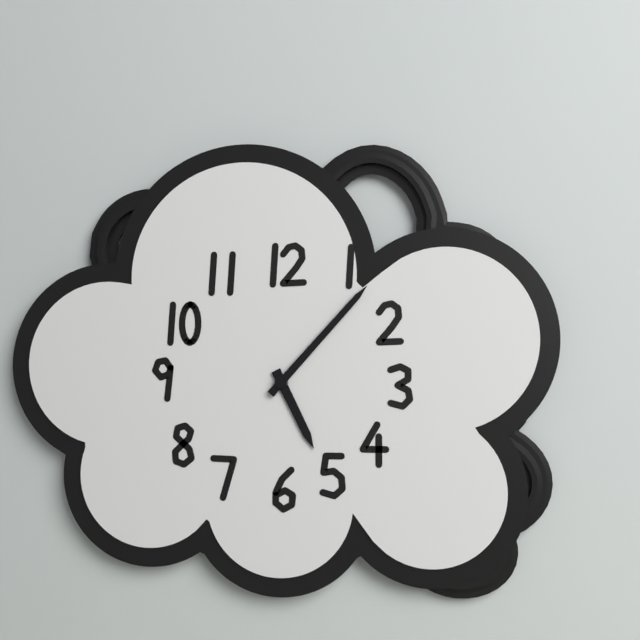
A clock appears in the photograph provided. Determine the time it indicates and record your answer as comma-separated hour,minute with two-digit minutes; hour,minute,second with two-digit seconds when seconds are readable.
5,07
